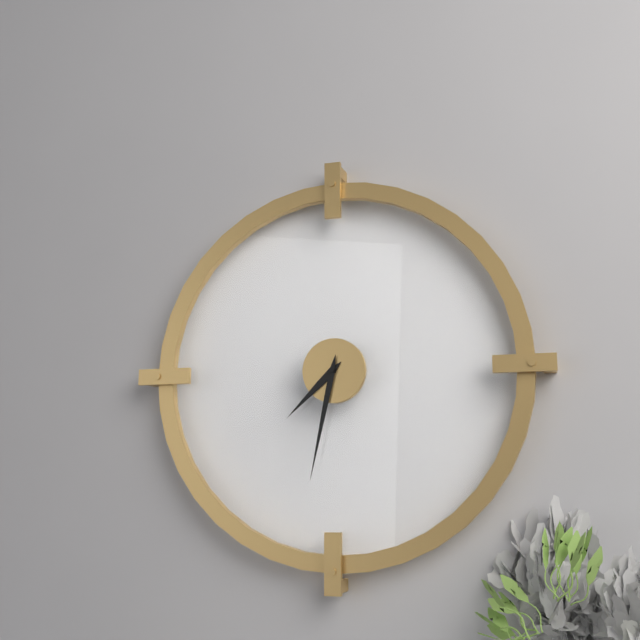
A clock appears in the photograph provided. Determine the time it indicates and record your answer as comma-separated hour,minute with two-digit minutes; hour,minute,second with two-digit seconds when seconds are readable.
7,32
